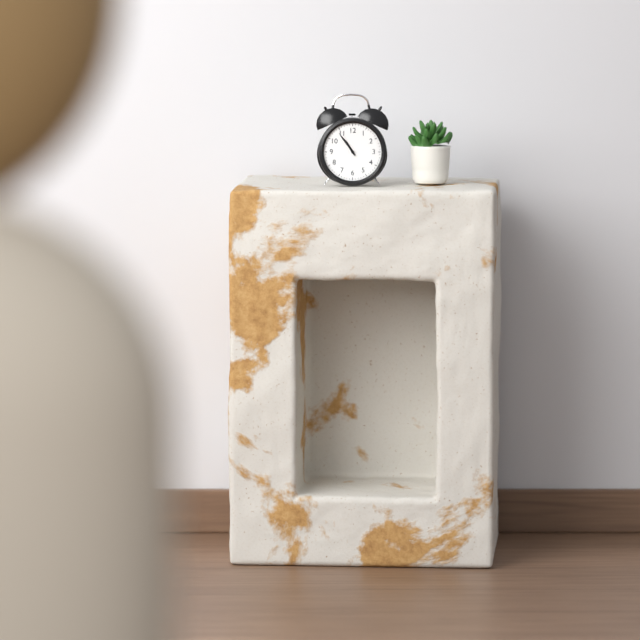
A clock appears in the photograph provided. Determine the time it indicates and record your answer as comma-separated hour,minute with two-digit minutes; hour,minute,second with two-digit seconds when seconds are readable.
10,54
